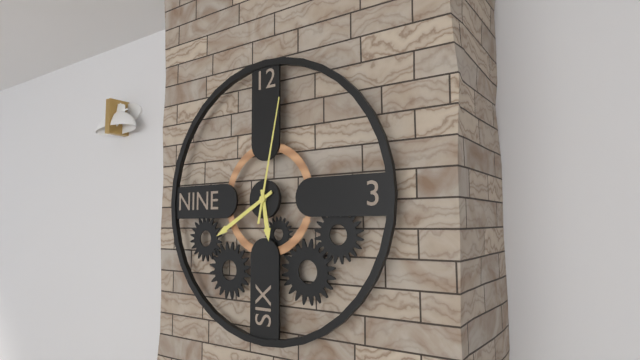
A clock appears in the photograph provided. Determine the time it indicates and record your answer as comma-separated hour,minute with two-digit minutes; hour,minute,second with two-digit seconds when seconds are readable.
5,40,02
